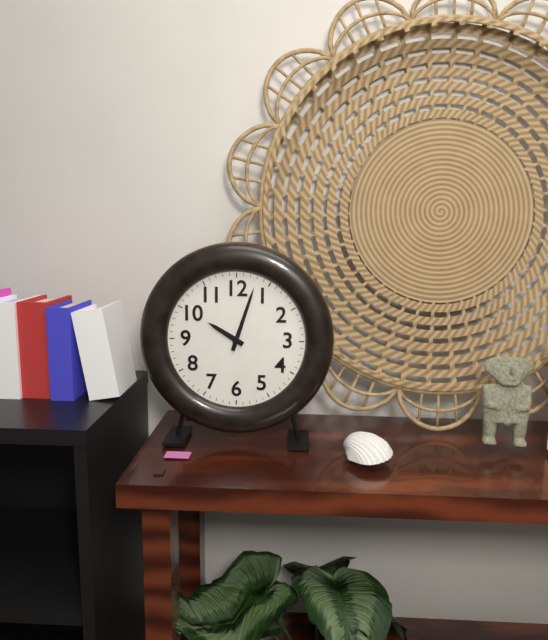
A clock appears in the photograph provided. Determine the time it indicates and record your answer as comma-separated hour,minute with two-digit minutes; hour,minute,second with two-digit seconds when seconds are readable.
10,03
